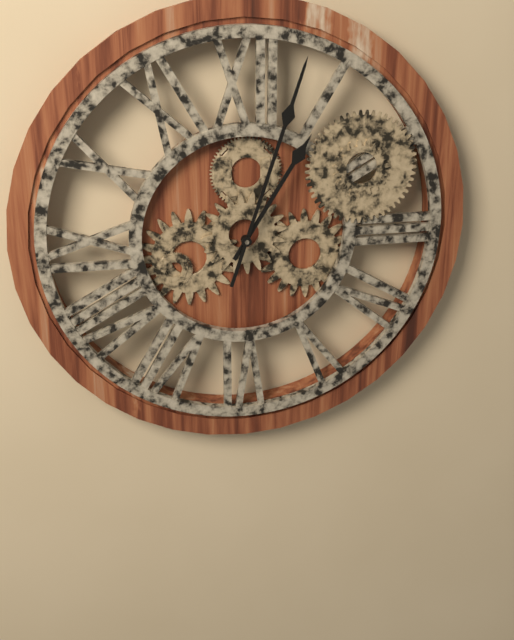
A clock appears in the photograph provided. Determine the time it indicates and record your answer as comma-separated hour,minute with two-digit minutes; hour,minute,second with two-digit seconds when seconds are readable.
1,03
